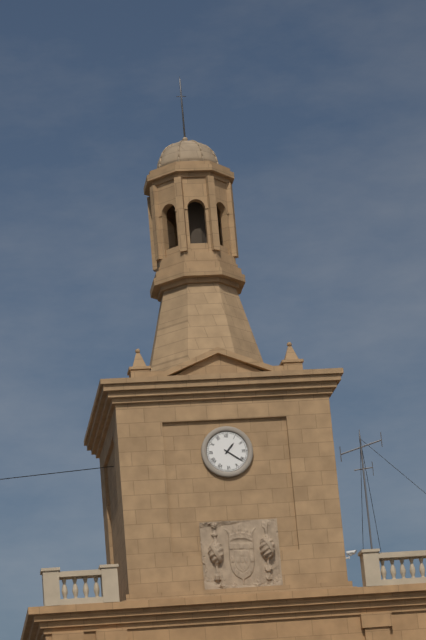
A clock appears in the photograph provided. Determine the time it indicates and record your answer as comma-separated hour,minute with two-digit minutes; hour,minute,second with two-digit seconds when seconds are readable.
1,21
